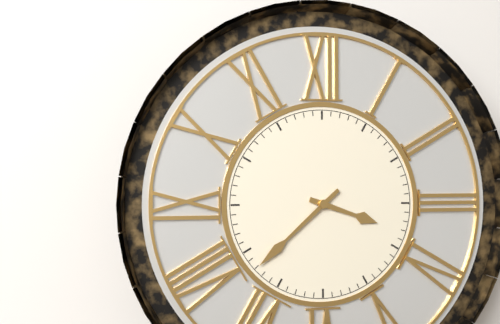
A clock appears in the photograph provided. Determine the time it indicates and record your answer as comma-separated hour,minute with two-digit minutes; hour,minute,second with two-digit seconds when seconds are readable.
3,38
